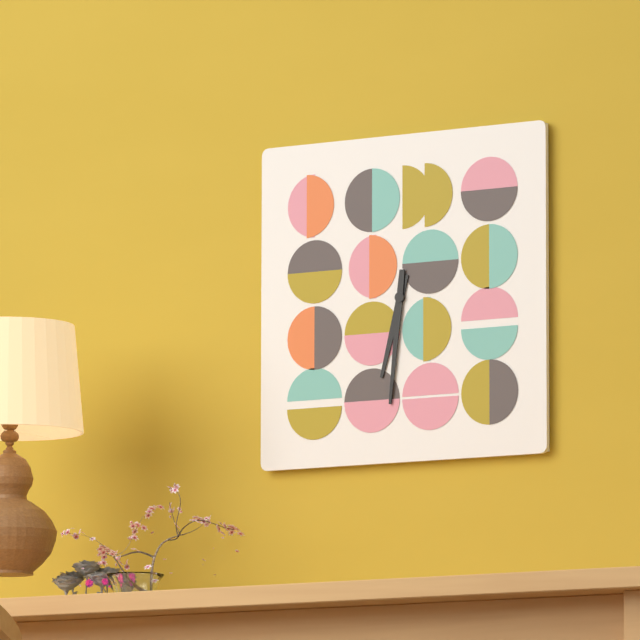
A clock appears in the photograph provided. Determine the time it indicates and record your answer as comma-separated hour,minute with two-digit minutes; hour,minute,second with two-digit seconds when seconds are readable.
6,31
